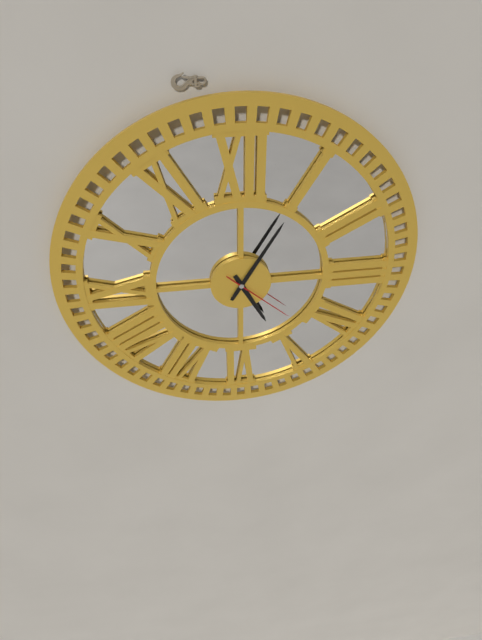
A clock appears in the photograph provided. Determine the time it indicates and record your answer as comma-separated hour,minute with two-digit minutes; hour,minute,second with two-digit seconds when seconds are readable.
5,05,22
